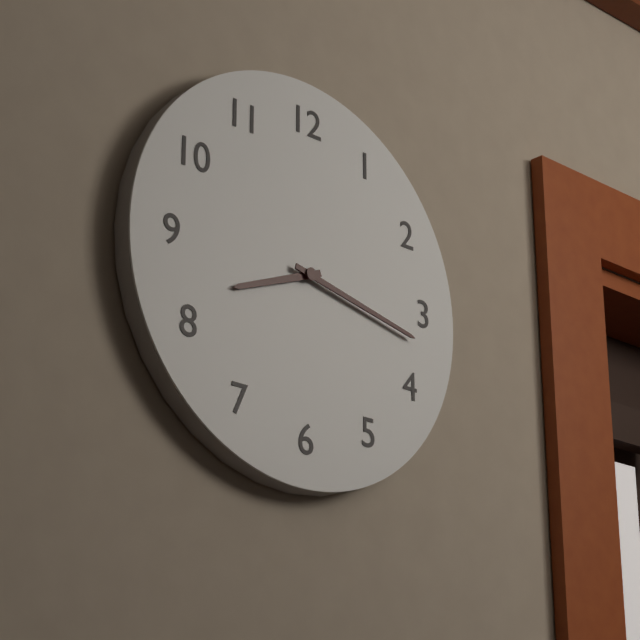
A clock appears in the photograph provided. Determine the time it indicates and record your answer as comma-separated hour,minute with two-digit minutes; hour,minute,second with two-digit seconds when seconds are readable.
8,17
